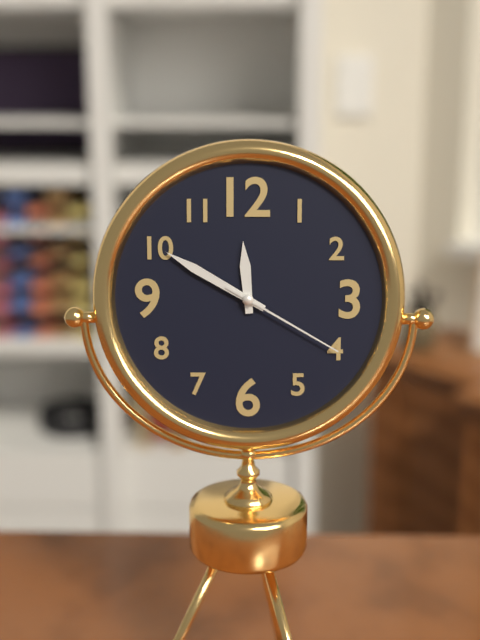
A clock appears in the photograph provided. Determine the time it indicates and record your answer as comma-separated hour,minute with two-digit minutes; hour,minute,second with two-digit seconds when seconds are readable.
11,50,20
